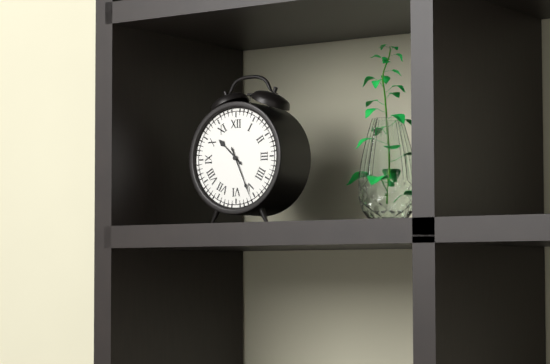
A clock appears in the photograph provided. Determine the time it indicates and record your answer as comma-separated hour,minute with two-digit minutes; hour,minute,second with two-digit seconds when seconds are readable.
10,26
